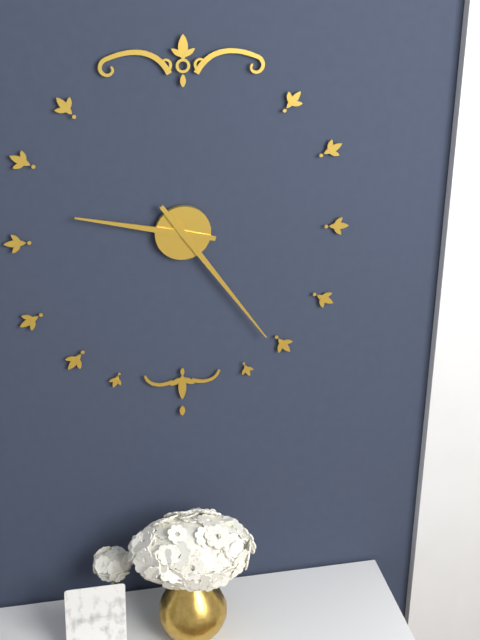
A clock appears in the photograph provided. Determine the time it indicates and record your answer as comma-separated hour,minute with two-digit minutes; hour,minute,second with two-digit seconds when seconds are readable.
9,24
